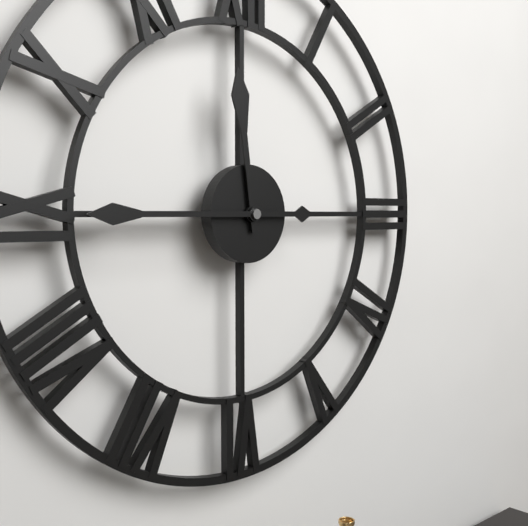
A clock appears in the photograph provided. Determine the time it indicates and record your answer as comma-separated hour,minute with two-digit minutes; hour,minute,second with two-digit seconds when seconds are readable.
11,45
